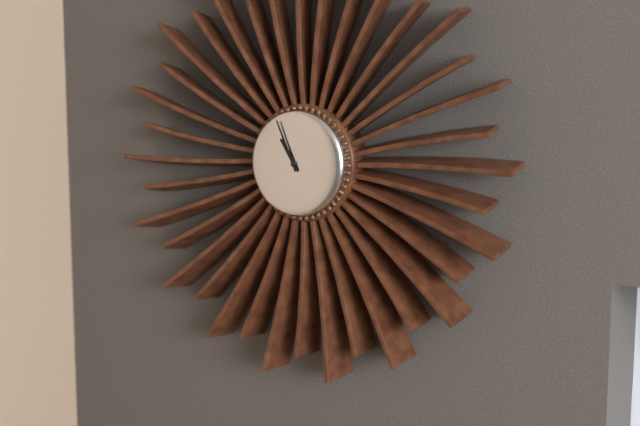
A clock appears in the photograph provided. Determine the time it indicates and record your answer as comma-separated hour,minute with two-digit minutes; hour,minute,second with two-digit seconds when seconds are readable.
10,56
